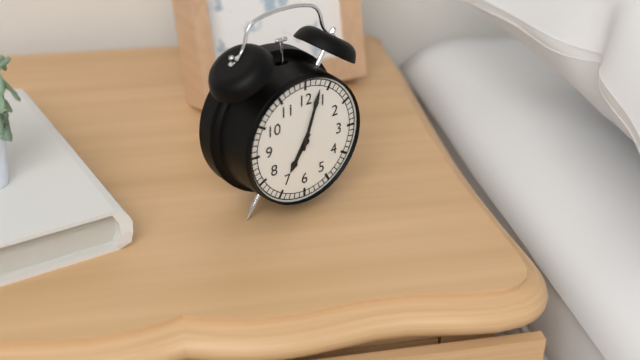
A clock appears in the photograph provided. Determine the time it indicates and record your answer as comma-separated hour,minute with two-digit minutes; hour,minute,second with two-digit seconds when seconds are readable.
7,03
